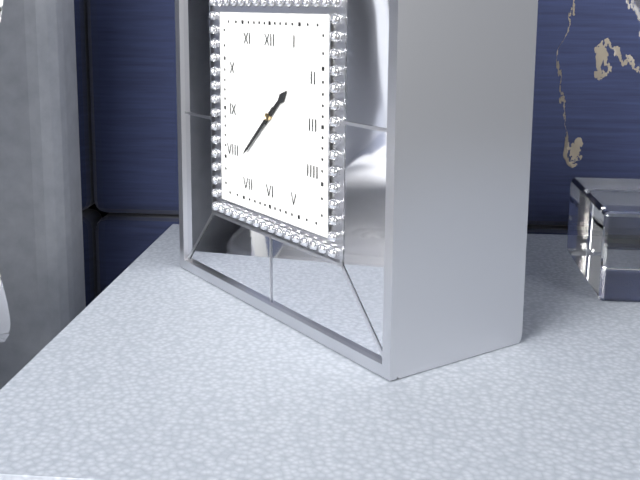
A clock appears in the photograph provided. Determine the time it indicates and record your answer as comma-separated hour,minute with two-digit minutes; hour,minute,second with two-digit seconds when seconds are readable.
1,38
